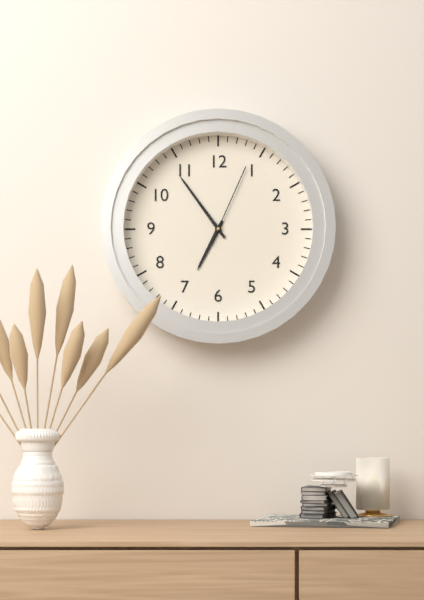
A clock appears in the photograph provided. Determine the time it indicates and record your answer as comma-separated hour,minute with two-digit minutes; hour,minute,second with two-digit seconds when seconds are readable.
6,54,04
